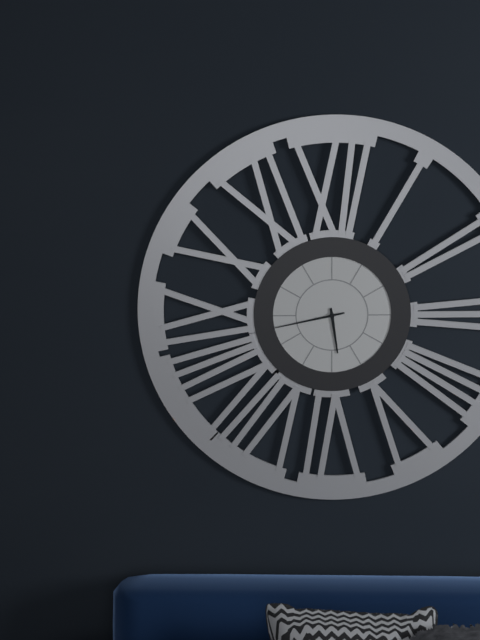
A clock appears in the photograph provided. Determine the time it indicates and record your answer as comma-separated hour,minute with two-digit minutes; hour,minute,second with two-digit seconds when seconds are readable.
5,43
